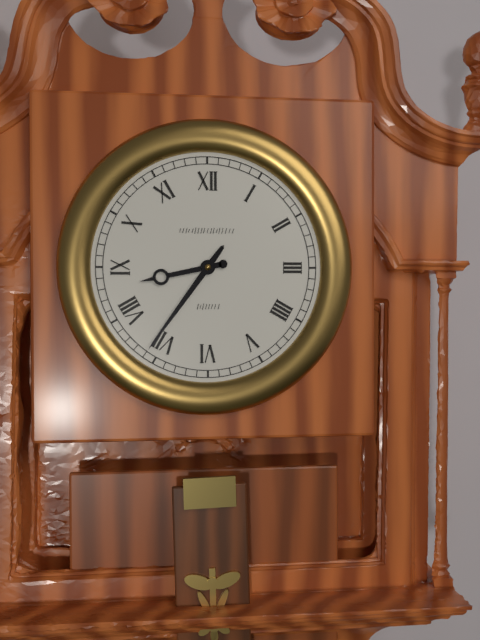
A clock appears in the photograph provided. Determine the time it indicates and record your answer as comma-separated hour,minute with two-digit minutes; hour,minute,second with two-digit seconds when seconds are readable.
8,36
